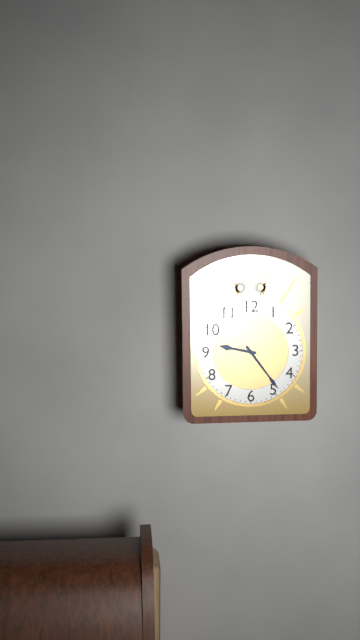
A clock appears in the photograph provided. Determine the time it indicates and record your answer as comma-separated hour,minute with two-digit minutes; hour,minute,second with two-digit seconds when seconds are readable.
9,24
